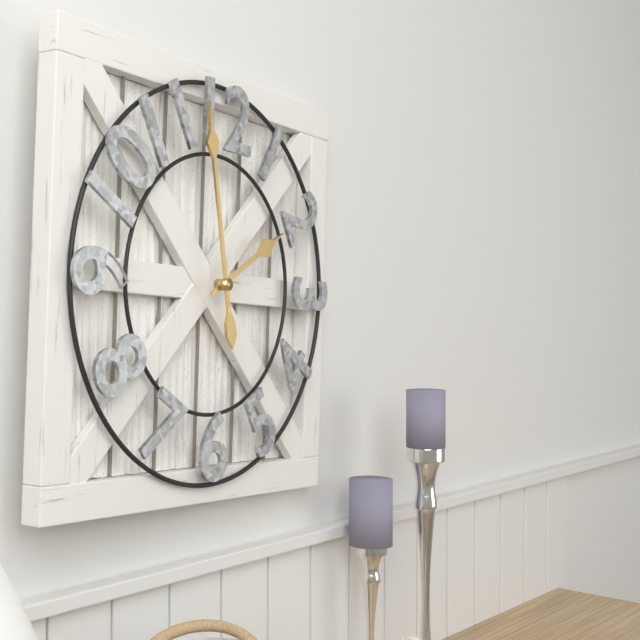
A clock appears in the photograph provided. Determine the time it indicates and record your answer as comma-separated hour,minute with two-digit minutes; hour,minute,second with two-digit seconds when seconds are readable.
1,58
